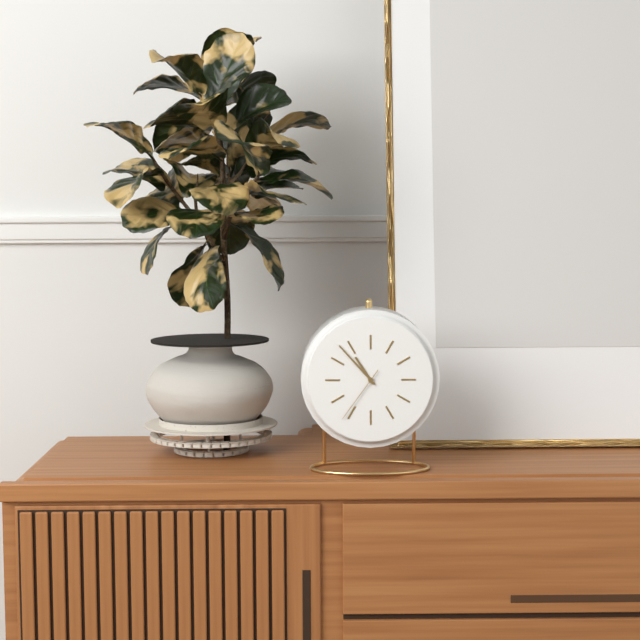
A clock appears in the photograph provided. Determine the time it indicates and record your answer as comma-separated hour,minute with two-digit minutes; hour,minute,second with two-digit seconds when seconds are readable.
10,53,36
